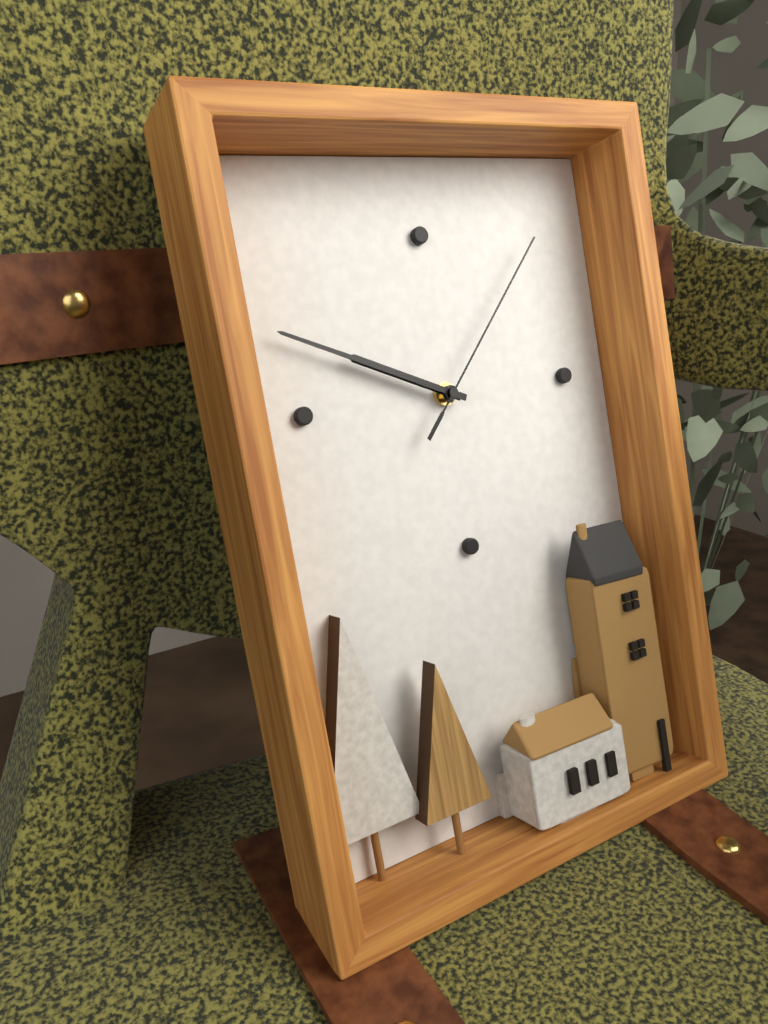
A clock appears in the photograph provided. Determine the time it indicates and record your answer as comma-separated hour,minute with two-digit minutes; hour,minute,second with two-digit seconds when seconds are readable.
9,49,07
